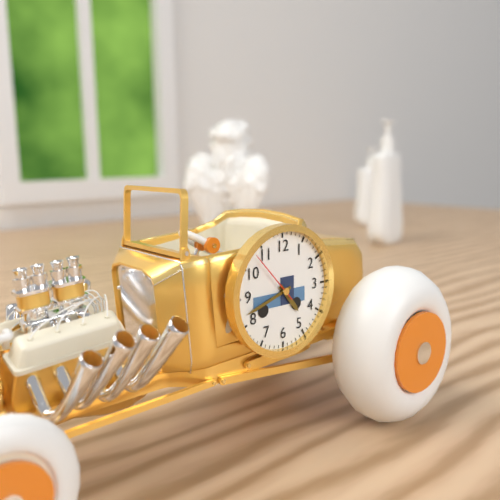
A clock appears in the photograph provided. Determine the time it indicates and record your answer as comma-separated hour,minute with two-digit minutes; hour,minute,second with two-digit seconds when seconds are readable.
4,42,53
